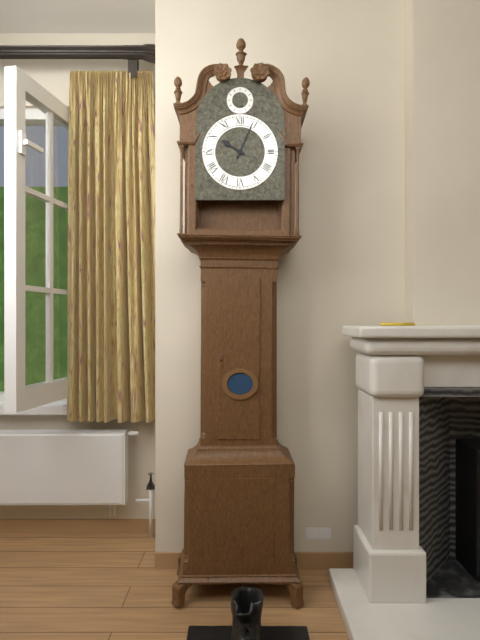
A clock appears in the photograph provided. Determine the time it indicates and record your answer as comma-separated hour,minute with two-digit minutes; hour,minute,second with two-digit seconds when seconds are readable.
10,04
